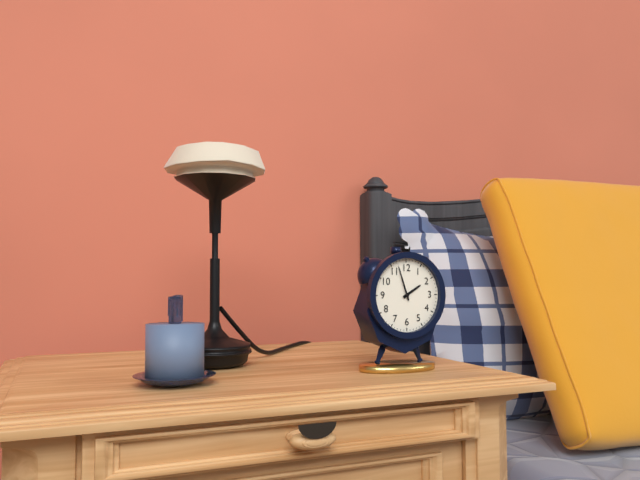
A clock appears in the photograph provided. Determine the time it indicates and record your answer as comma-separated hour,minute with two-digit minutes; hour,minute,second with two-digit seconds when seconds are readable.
1,57
